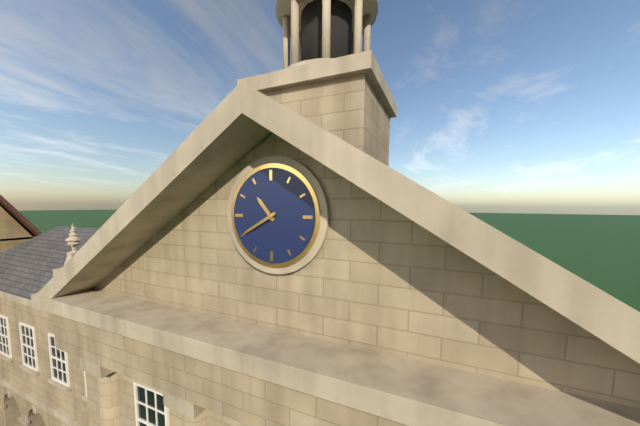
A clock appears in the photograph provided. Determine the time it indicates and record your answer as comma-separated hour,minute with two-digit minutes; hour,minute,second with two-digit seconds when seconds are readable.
10,40
